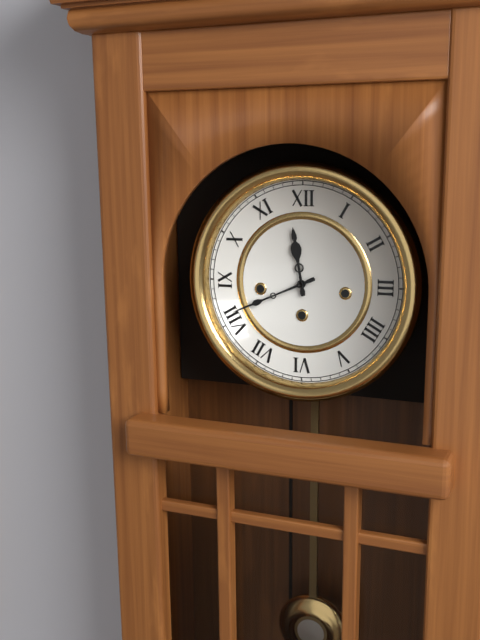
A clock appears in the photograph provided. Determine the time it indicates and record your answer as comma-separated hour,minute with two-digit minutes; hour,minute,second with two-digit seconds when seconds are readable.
11,41
